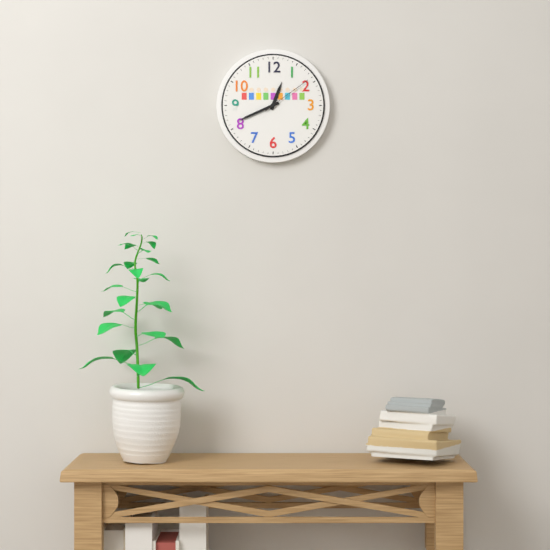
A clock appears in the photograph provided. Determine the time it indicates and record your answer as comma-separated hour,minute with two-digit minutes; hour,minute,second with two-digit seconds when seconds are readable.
12,41,09
